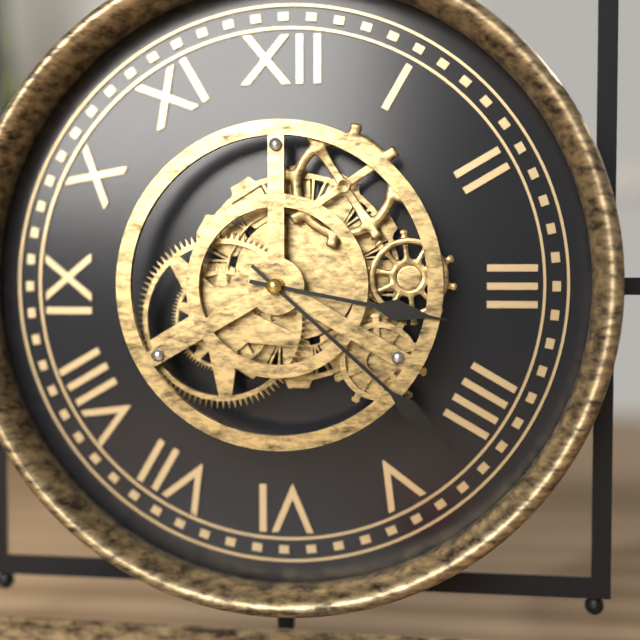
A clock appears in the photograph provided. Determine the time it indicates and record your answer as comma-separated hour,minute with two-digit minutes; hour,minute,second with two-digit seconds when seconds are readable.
3,22
